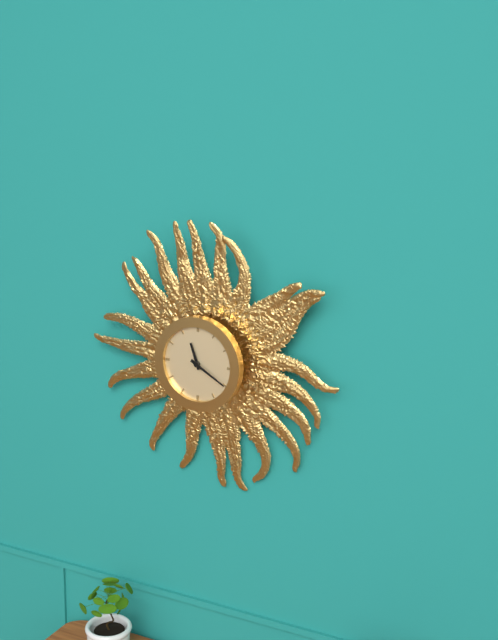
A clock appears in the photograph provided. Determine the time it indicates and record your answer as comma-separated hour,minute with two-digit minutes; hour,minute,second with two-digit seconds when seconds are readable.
11,20
